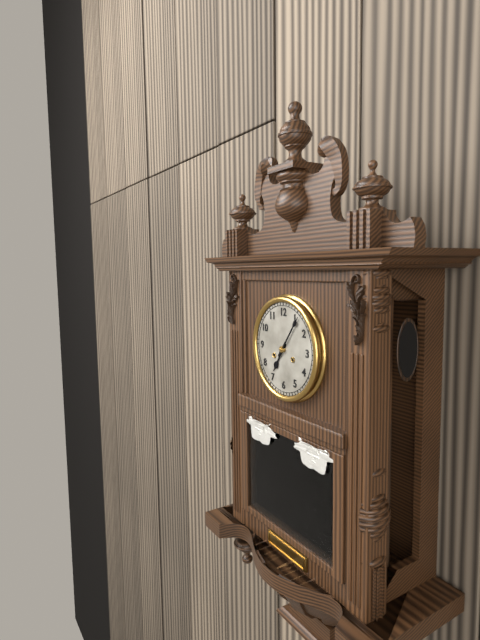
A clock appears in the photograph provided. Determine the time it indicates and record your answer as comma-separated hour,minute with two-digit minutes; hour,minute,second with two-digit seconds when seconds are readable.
7,06
